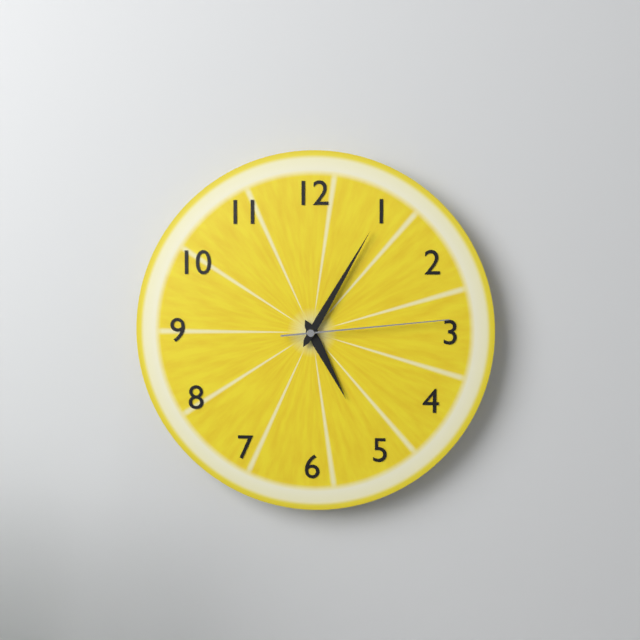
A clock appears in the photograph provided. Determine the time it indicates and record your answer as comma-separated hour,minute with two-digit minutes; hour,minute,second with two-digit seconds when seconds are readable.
5,05,14
